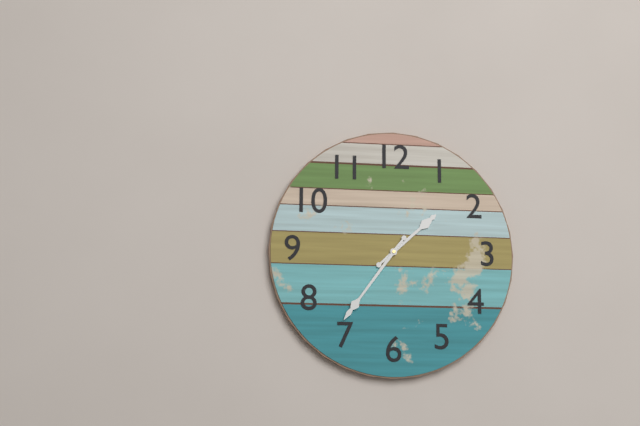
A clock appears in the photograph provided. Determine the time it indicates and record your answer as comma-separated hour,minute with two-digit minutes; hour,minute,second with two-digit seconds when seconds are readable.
1,36
